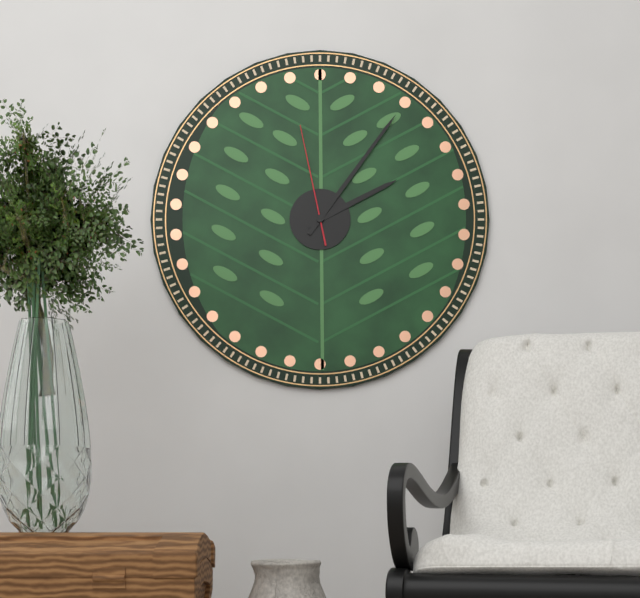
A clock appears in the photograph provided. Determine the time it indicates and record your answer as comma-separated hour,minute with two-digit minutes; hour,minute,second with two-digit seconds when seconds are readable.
2,06,58
